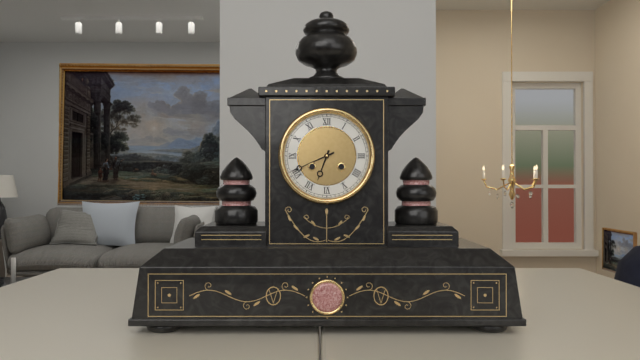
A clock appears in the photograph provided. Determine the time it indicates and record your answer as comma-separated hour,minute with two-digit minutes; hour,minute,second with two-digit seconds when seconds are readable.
6,41
